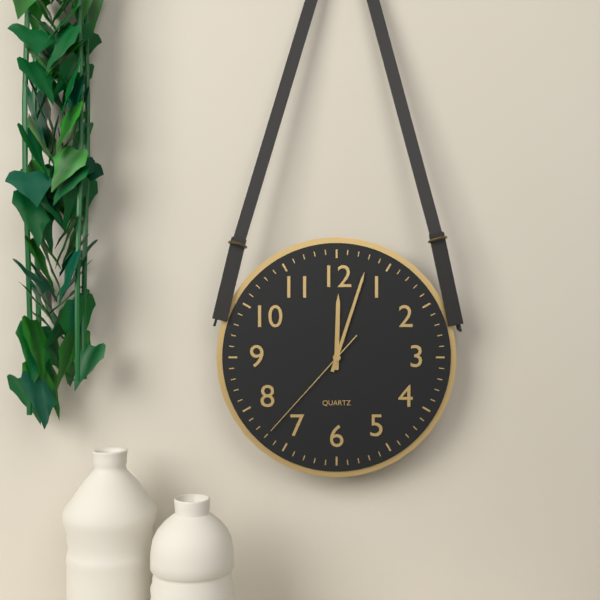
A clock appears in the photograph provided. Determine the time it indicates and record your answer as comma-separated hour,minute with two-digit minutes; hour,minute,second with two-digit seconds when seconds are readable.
12,03,37
